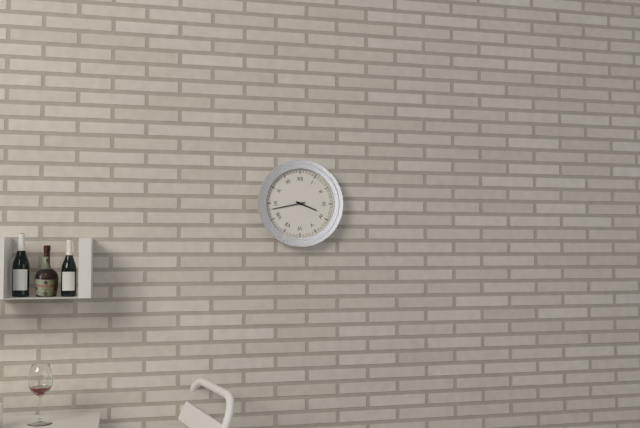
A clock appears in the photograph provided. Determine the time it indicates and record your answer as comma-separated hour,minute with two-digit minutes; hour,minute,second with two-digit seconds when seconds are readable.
3,43
